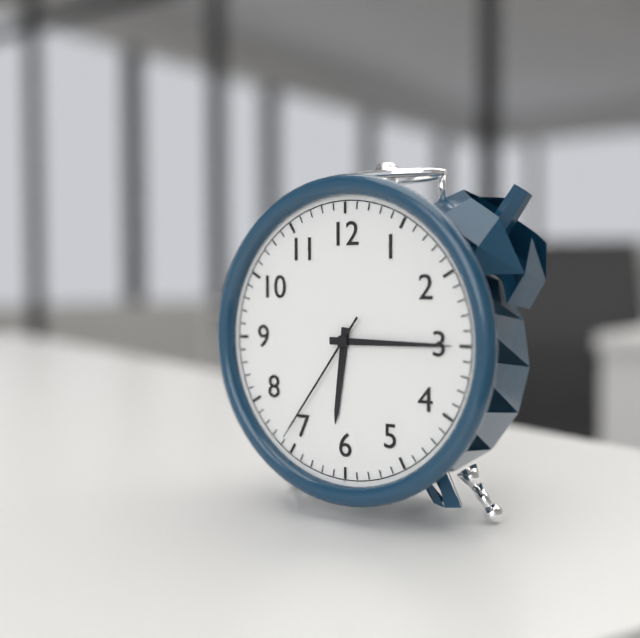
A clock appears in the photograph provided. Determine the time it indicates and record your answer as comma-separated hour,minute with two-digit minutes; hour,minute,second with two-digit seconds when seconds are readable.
6,15,36
